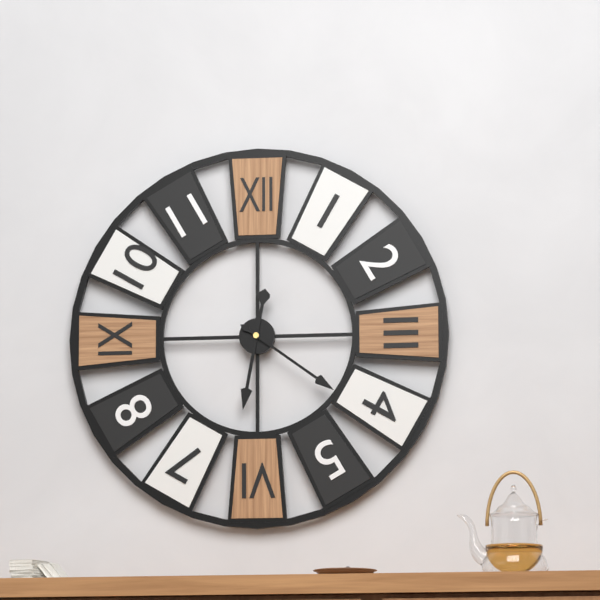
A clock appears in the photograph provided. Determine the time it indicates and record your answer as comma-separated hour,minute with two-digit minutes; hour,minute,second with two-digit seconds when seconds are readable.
6,21
